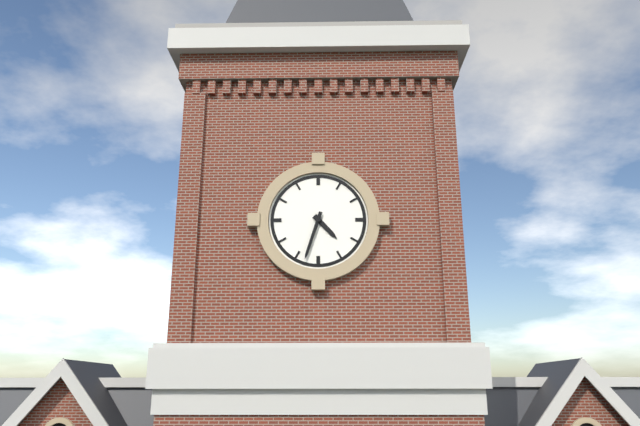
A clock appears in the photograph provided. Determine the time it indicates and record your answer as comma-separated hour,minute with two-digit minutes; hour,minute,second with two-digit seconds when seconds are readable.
4,33
